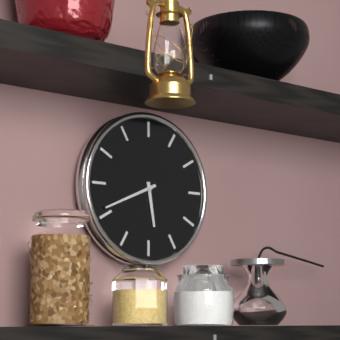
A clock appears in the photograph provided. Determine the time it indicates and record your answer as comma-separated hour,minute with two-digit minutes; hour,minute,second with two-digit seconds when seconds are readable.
5,41
